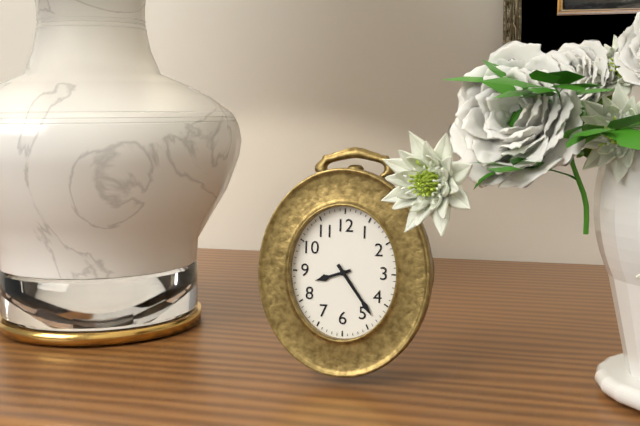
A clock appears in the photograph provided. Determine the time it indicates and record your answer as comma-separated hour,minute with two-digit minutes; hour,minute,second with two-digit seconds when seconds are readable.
8,24
